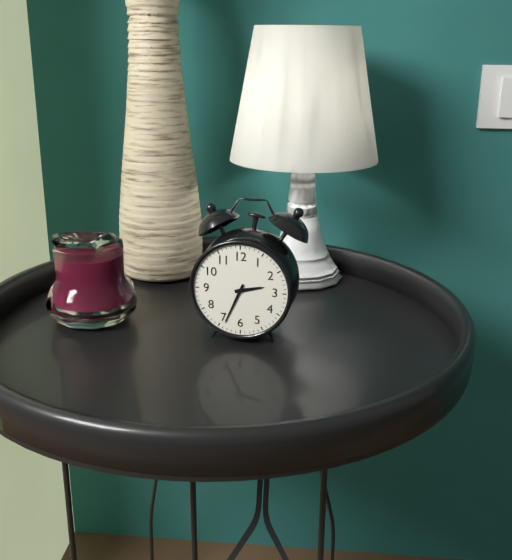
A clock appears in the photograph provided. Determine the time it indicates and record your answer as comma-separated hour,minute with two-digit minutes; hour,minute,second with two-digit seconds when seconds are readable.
2,34
